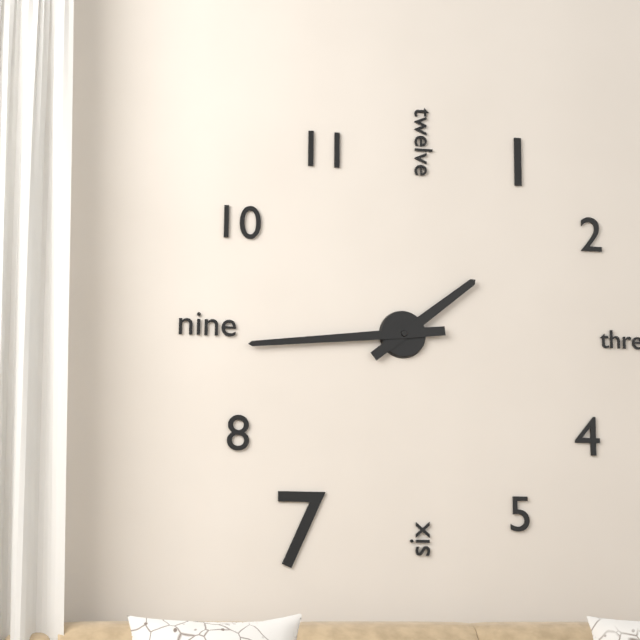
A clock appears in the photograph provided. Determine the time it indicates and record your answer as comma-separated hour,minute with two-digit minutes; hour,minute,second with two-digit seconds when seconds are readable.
1,44
